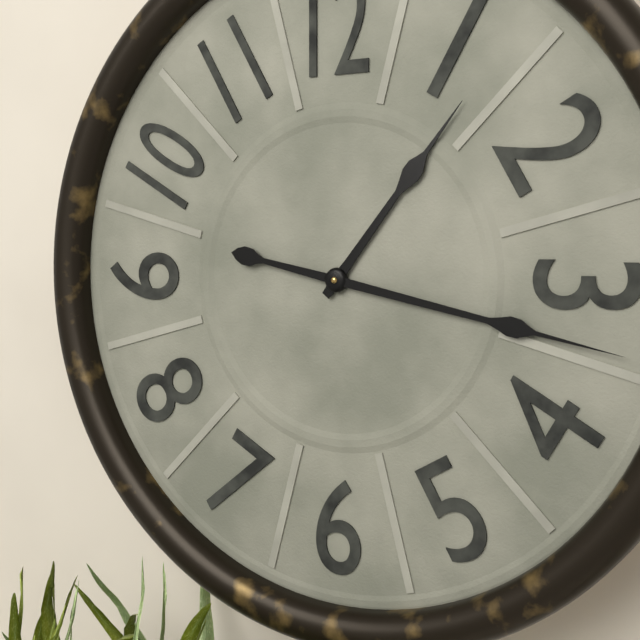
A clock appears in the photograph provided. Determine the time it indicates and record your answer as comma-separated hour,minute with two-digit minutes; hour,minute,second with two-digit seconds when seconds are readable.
1,17
